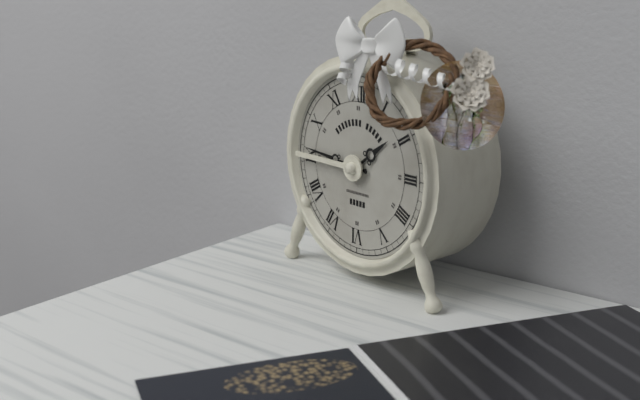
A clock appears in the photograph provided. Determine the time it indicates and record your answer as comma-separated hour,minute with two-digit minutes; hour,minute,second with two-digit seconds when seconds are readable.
1,46
